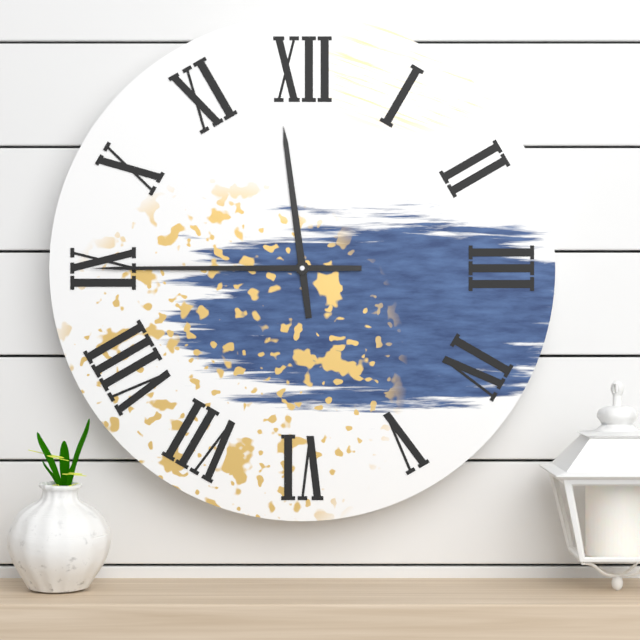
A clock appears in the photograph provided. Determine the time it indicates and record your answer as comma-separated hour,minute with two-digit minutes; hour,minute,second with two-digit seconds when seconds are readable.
11,45
